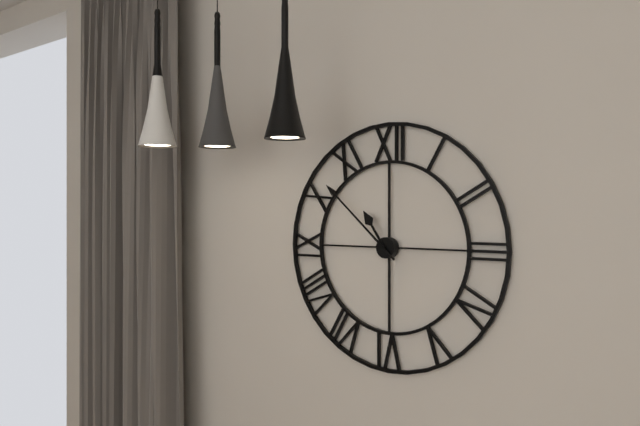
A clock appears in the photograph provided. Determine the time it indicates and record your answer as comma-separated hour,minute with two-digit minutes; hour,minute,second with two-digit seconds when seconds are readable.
10,52
